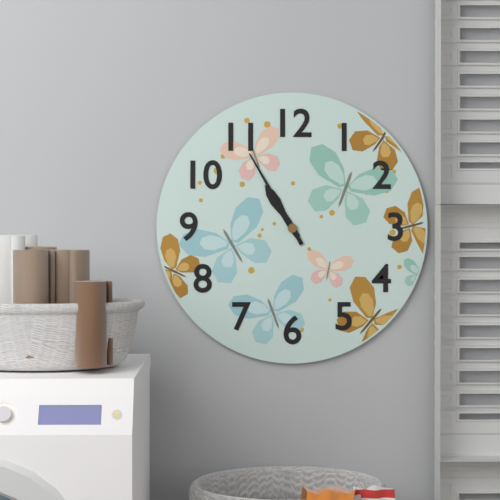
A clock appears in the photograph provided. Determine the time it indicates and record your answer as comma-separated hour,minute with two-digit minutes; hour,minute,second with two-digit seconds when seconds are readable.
10,55
